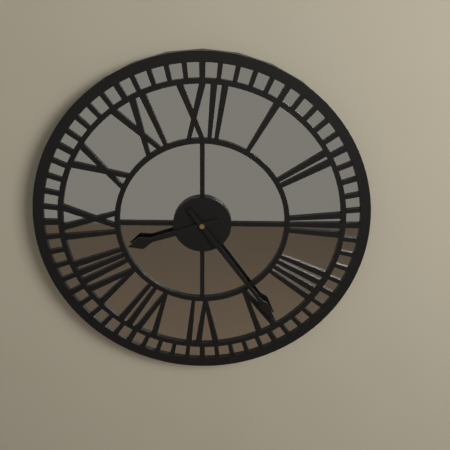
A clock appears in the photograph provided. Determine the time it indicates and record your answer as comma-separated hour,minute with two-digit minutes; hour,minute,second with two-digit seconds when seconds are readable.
8,24
